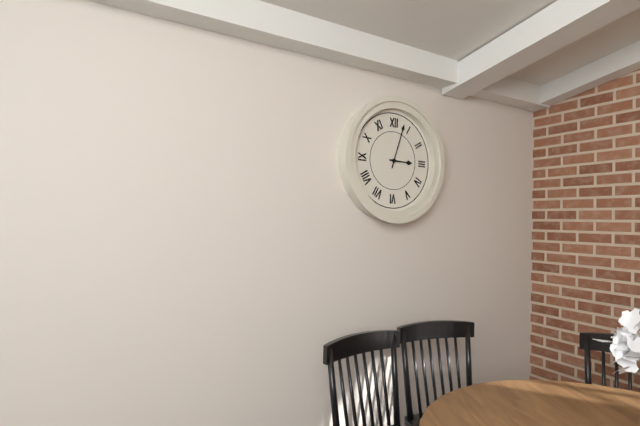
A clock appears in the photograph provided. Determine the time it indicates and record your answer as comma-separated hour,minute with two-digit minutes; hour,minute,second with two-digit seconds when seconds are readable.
3,03
